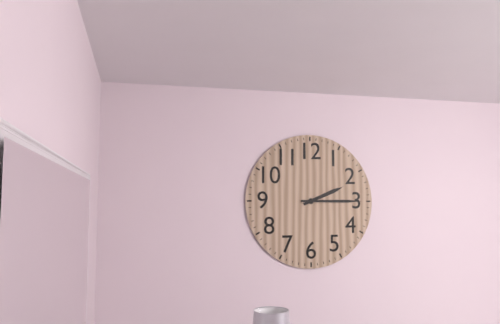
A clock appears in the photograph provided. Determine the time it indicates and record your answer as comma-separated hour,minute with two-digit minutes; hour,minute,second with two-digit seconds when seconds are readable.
2,15
